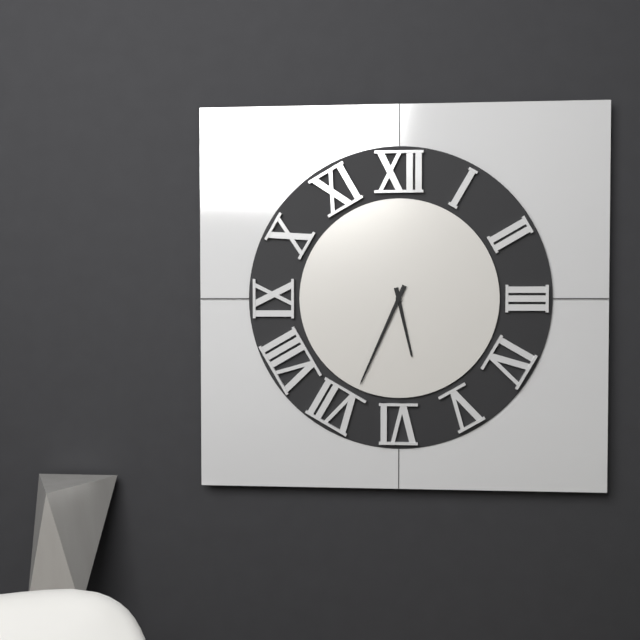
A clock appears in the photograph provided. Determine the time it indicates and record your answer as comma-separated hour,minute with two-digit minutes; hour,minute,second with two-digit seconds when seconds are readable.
5,34
